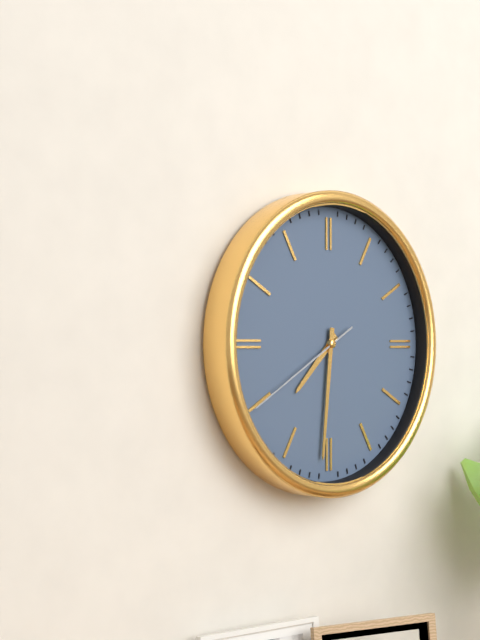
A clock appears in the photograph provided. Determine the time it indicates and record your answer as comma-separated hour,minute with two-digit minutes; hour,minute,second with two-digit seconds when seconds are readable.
7,31,40
